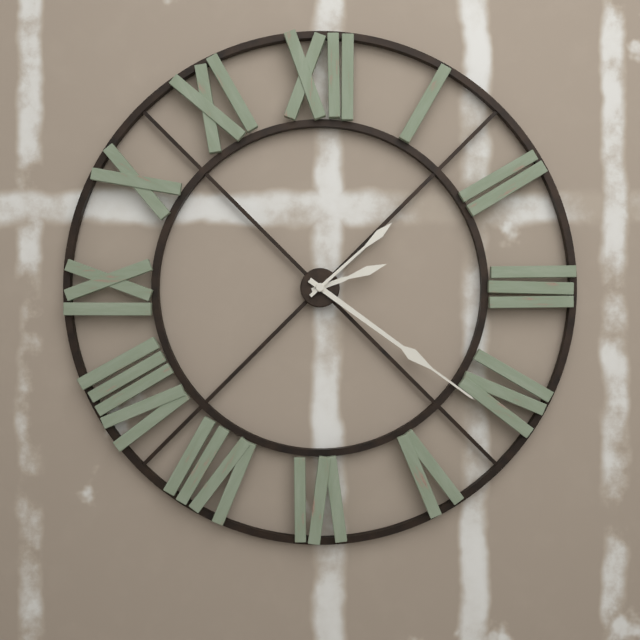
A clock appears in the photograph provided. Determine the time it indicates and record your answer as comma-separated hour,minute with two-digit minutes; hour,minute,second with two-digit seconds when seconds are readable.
2,21,08
